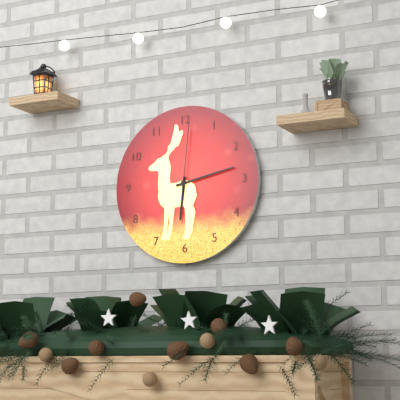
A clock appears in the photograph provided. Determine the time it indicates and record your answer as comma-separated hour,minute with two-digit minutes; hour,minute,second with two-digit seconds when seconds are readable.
6,13,01
